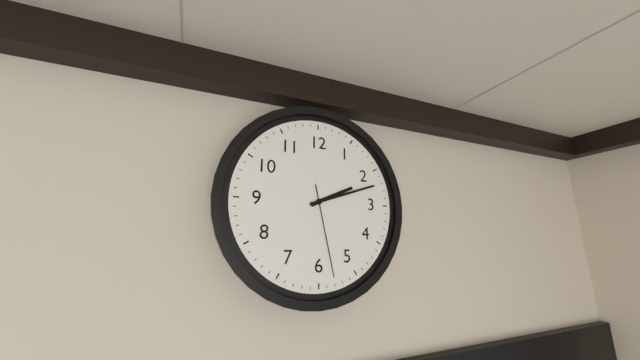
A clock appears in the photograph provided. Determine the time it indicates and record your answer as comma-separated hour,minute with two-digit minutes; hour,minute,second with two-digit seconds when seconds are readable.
2,12,28
